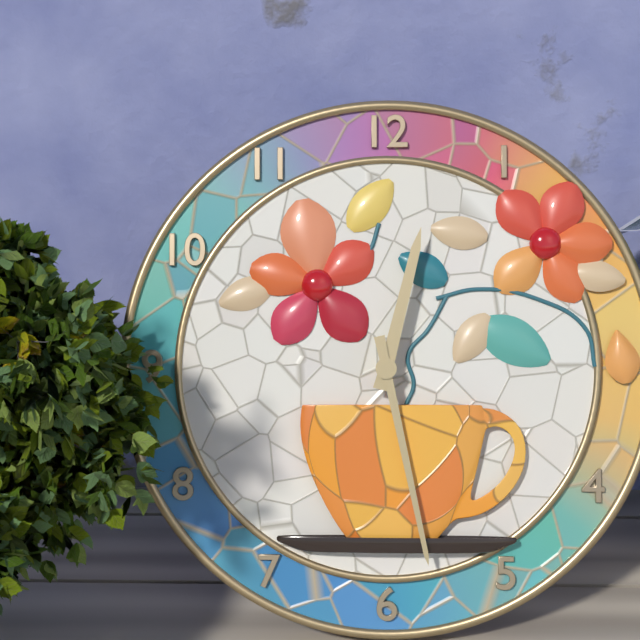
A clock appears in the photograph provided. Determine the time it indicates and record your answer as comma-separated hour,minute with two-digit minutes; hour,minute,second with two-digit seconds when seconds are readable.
12,28
